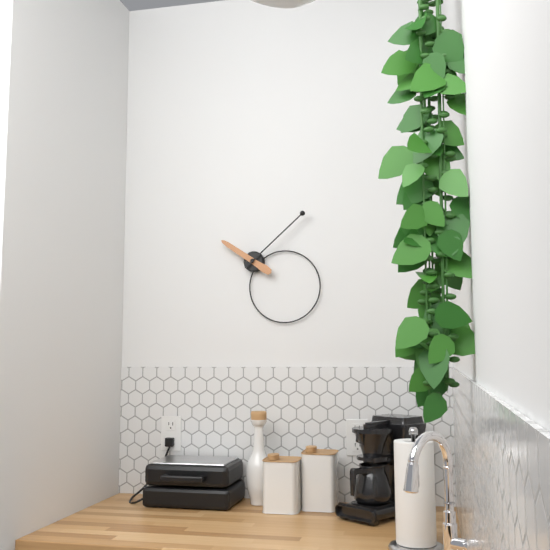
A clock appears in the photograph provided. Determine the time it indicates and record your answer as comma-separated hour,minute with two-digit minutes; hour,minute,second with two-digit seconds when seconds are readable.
10,08
